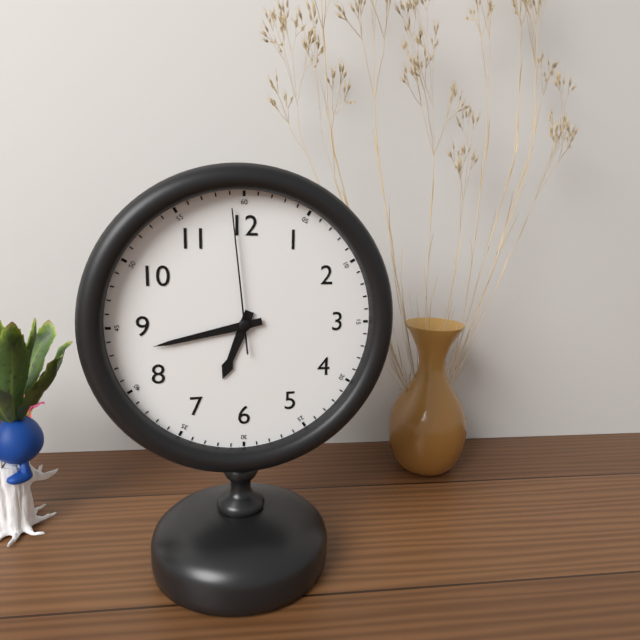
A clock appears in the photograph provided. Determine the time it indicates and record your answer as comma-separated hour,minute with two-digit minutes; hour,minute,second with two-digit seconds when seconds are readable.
6,43,59
